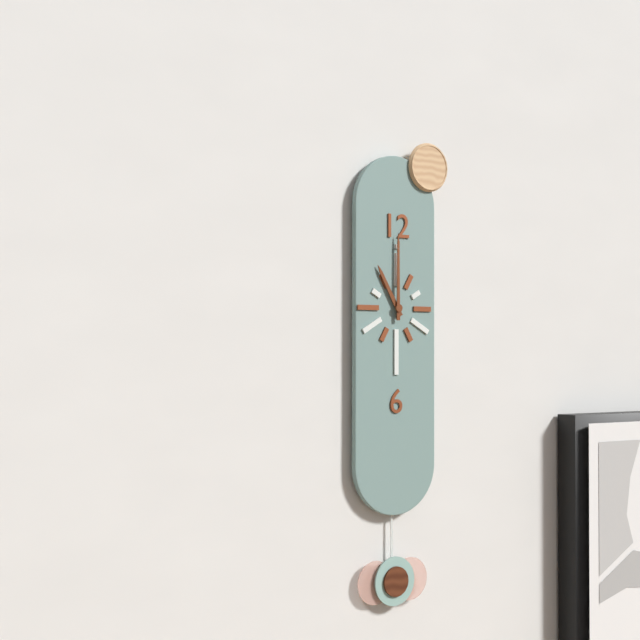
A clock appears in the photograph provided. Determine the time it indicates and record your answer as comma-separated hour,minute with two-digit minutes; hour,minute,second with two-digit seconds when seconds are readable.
11,00
